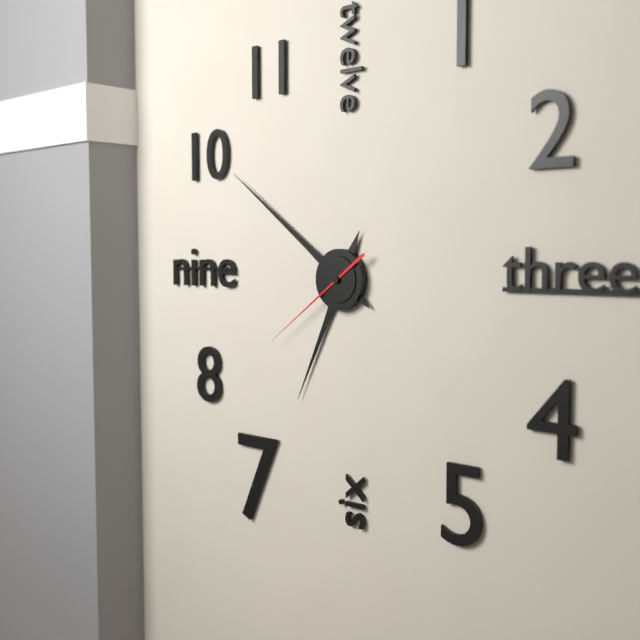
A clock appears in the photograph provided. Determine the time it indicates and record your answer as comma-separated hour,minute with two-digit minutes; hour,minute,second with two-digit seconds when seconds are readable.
6,51,39
